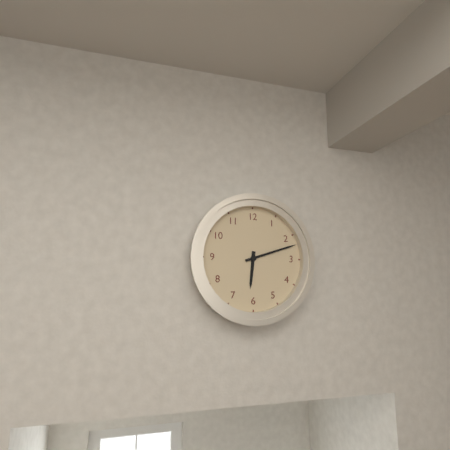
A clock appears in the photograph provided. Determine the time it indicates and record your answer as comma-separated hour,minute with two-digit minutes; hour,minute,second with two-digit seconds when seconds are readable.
6,12
